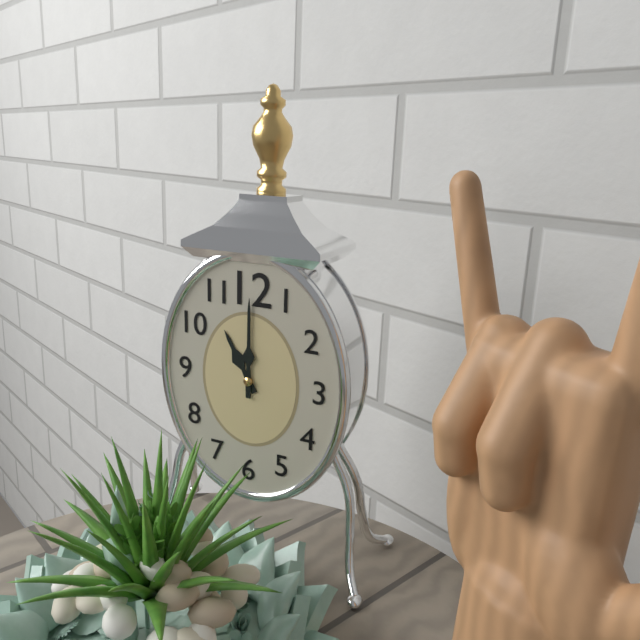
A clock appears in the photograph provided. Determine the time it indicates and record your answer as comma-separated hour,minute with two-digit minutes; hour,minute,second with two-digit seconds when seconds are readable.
11,00
